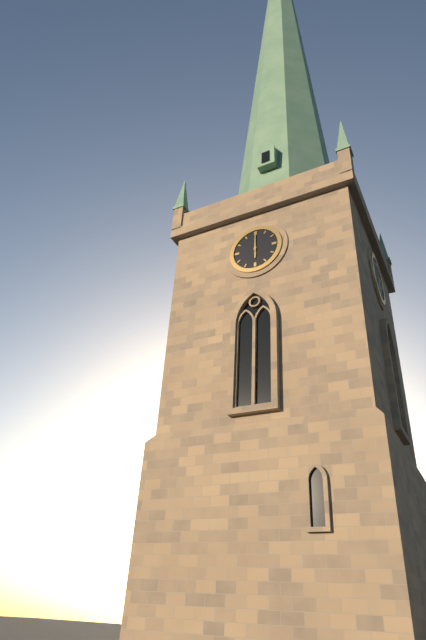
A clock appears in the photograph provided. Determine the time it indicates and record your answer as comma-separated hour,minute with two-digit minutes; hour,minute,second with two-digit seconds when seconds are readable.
6,00
